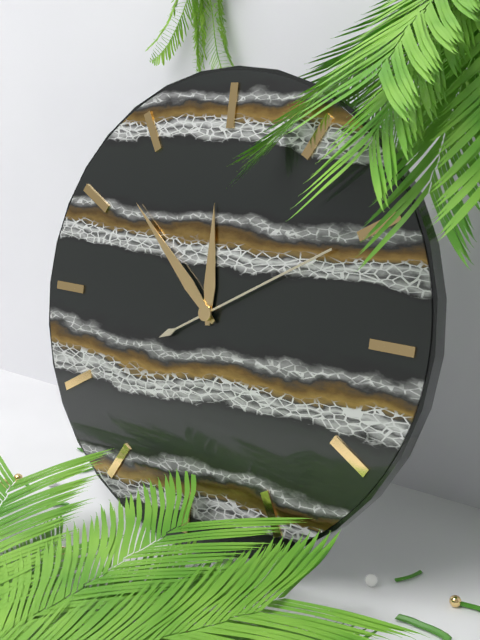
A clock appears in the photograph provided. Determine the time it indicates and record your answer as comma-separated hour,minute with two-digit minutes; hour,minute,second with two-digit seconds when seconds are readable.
11,52,10
